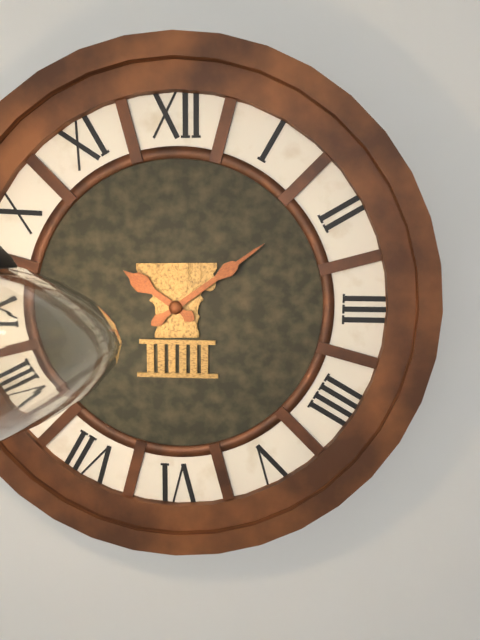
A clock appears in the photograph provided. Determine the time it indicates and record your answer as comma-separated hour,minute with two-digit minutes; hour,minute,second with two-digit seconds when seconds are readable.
10,09
